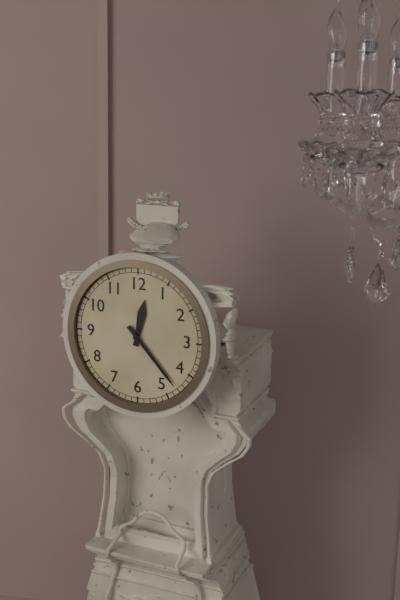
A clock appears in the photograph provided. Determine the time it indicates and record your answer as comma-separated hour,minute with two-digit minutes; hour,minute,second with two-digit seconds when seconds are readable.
12,23
